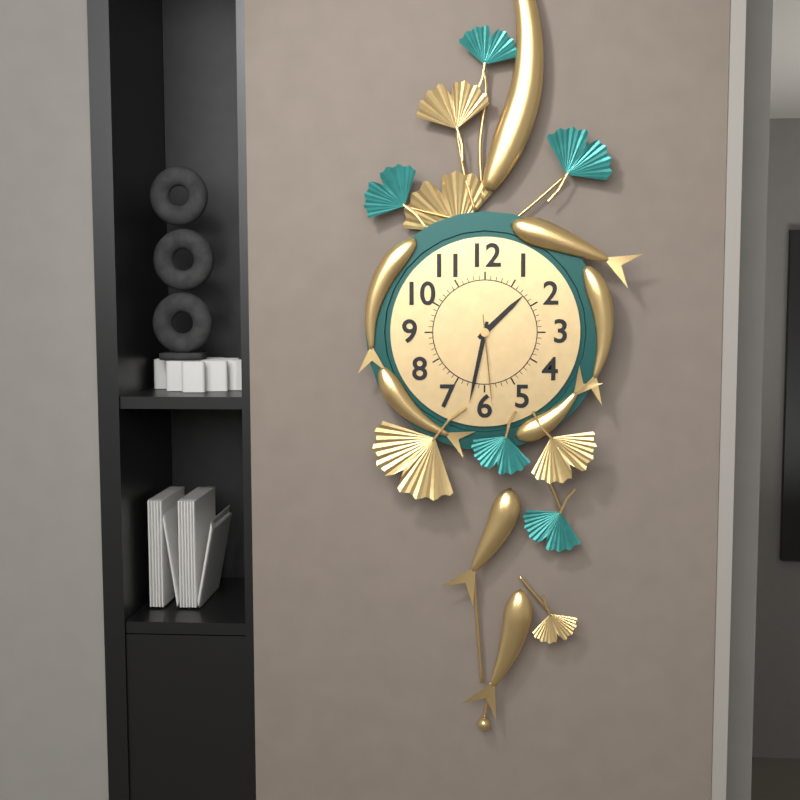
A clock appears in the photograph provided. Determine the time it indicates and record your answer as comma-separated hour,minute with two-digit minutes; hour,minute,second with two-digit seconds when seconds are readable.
1,32,29
